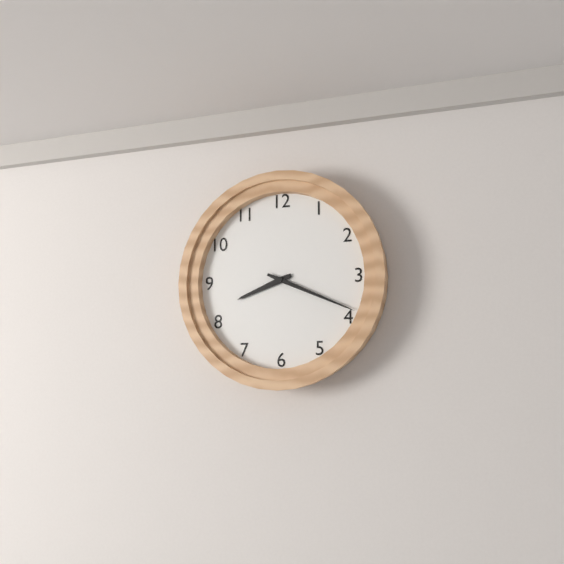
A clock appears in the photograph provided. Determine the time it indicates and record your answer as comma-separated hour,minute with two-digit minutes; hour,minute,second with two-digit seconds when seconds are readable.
8,19
